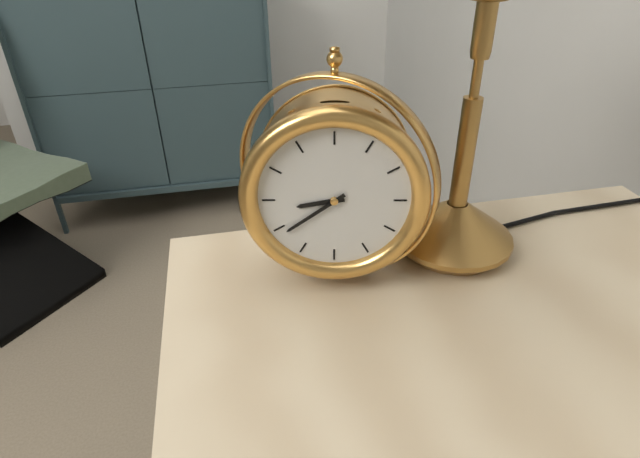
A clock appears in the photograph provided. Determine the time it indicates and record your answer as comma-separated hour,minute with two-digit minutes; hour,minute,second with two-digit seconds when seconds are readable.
8,39
